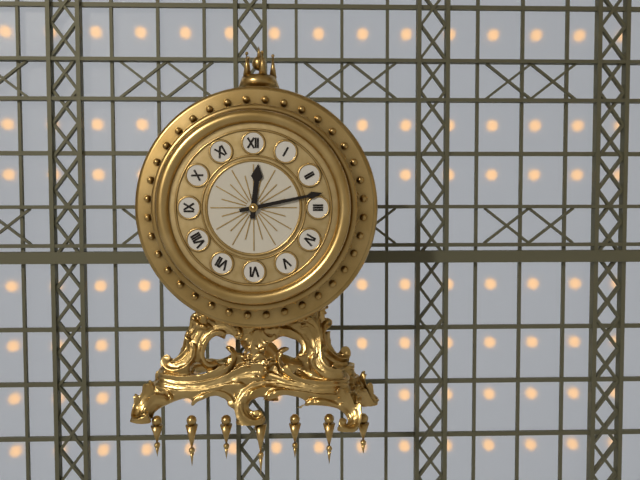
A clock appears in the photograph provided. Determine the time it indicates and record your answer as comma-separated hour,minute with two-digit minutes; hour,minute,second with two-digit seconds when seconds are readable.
12,13
